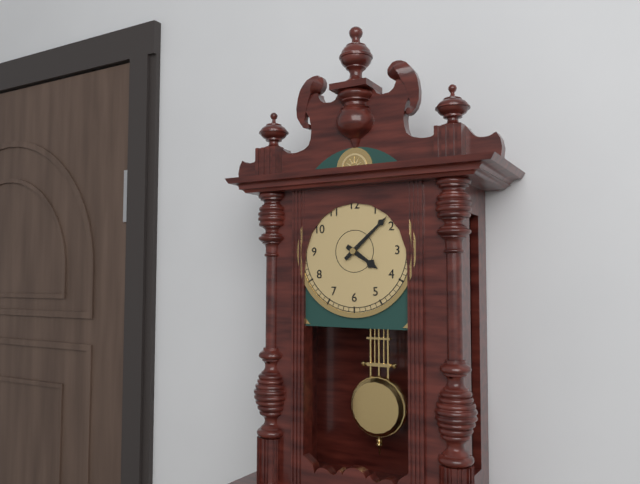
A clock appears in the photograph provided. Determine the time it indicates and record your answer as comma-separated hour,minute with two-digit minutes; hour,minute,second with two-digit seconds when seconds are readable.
4,08
